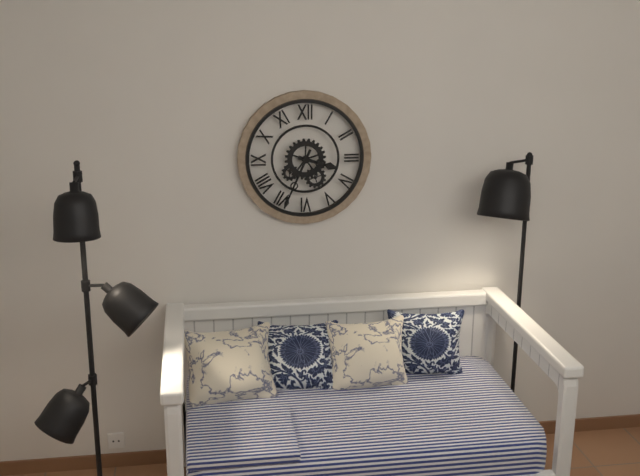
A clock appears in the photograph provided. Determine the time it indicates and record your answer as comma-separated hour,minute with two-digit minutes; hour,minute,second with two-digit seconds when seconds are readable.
3,34
